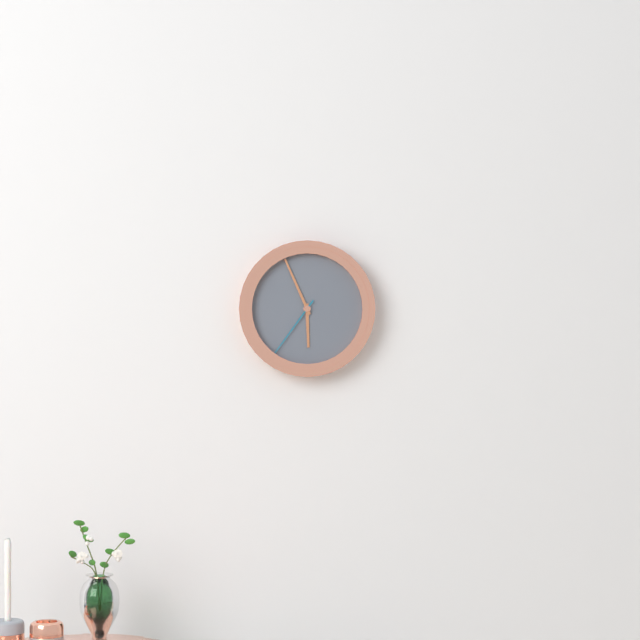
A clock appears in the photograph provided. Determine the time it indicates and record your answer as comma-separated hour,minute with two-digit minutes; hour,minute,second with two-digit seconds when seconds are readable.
5,56,36
